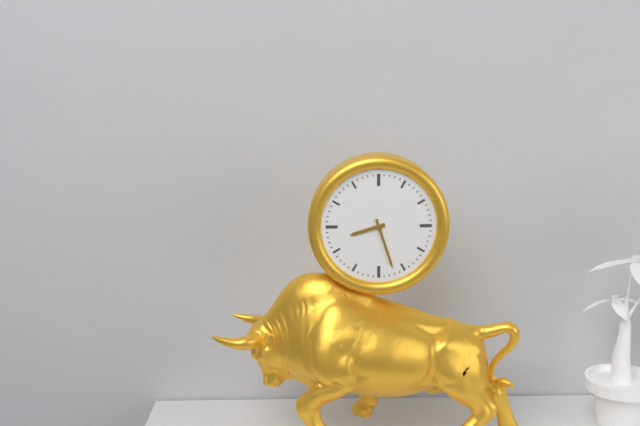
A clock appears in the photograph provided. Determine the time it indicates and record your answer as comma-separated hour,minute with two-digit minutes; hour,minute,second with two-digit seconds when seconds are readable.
8,27
